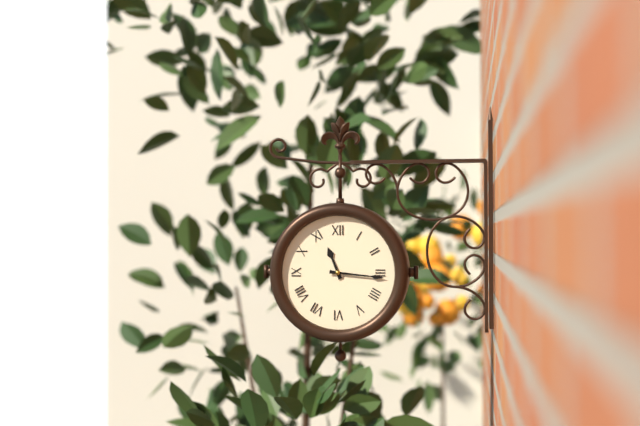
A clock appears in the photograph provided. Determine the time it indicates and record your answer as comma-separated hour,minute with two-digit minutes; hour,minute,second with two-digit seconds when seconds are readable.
11,16
